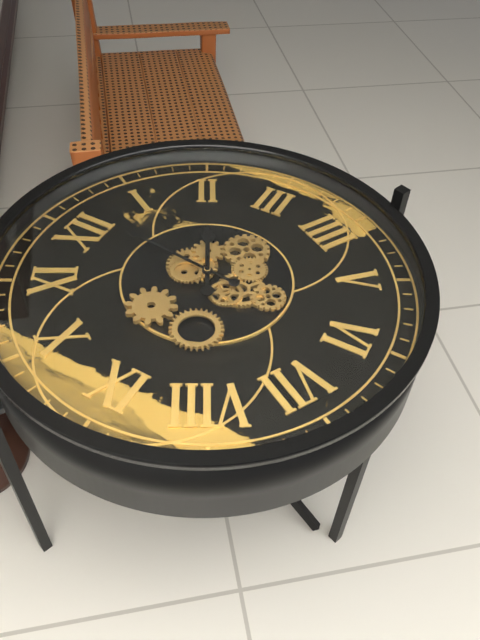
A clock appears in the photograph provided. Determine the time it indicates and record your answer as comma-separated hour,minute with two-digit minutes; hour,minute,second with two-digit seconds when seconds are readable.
2,01
